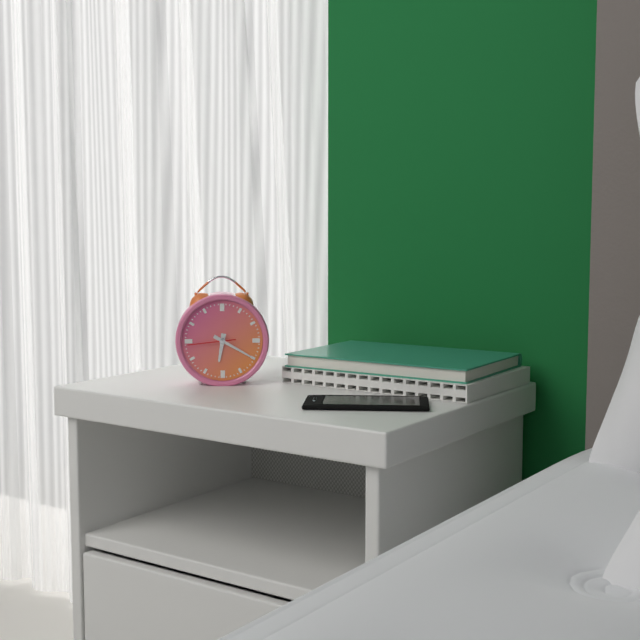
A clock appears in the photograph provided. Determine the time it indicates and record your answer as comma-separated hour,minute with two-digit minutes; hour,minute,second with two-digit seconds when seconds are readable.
6,20
